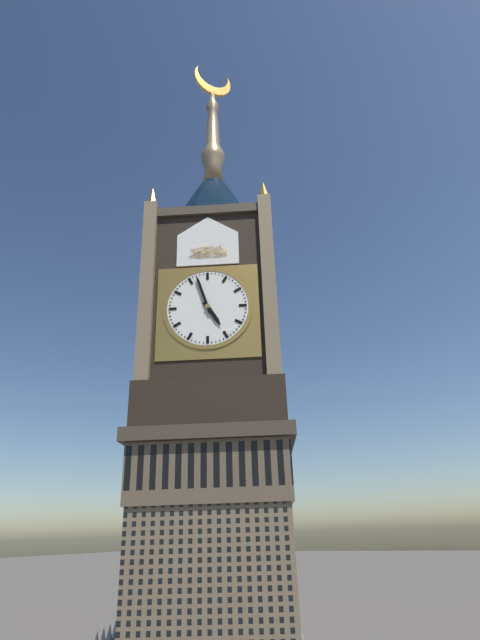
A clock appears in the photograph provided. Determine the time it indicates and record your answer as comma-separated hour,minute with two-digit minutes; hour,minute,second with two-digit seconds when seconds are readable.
4,57
